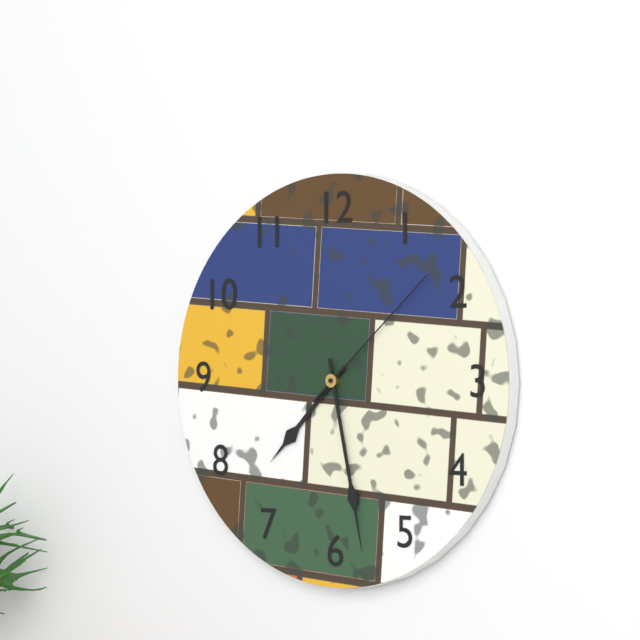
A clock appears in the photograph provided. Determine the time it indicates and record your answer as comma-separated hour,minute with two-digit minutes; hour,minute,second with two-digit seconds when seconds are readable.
7,28,08
